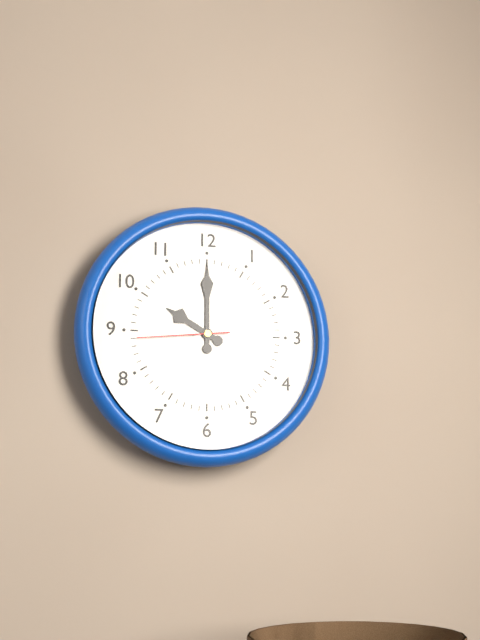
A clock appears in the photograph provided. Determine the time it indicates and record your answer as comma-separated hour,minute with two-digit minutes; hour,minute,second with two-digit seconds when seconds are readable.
10,00,44
